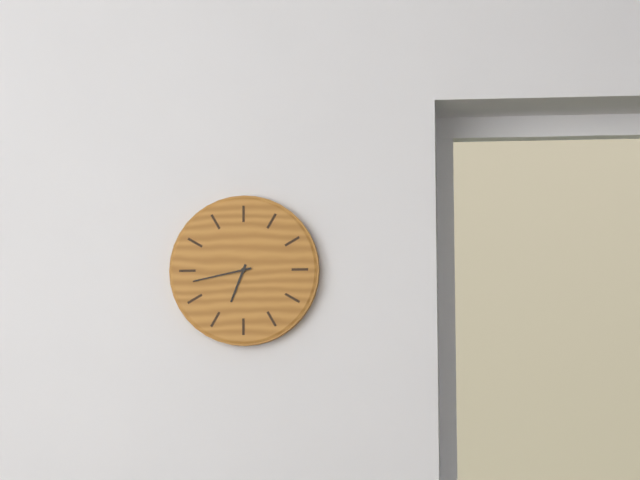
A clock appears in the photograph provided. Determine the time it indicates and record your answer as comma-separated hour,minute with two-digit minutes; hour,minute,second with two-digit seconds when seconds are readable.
6,43
